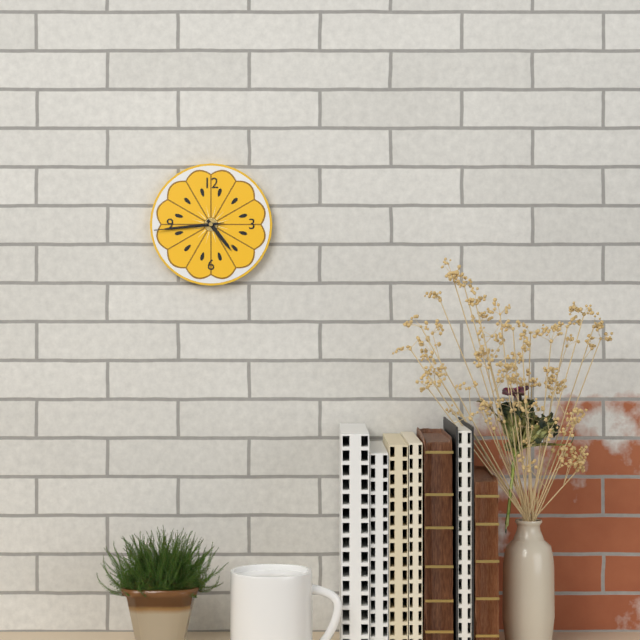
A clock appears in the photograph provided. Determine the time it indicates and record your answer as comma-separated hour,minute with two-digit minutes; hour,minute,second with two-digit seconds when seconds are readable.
4,44,44
